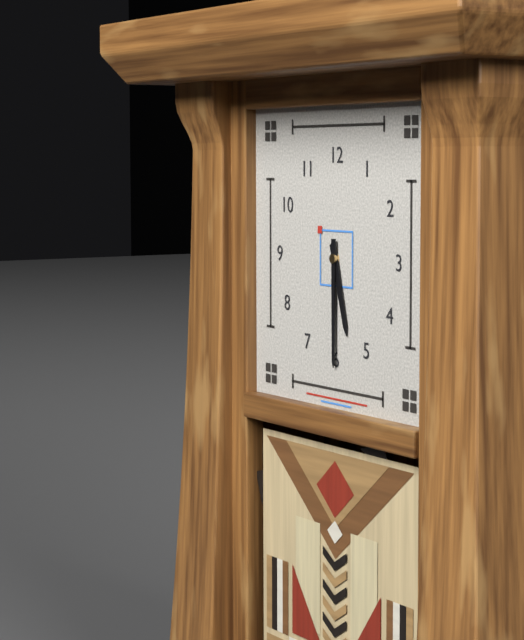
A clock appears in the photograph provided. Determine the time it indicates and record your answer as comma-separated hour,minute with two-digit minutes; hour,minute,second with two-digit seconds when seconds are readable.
5,30
